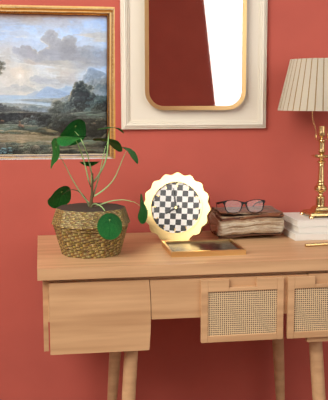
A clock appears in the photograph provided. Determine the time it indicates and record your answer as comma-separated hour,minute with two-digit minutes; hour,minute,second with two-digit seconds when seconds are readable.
7,58
